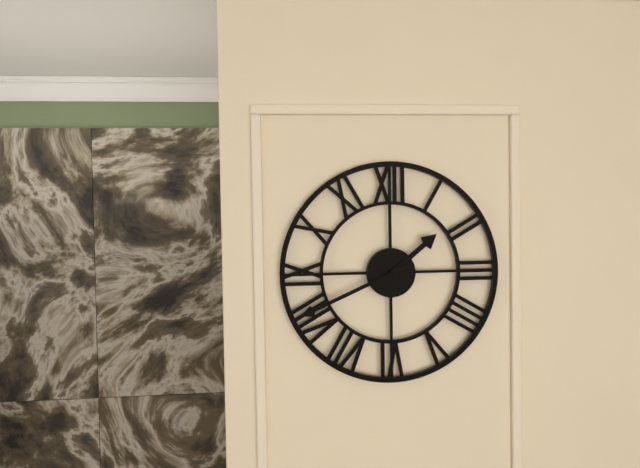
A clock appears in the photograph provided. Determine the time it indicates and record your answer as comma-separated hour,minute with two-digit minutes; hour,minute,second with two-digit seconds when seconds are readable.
1,41
